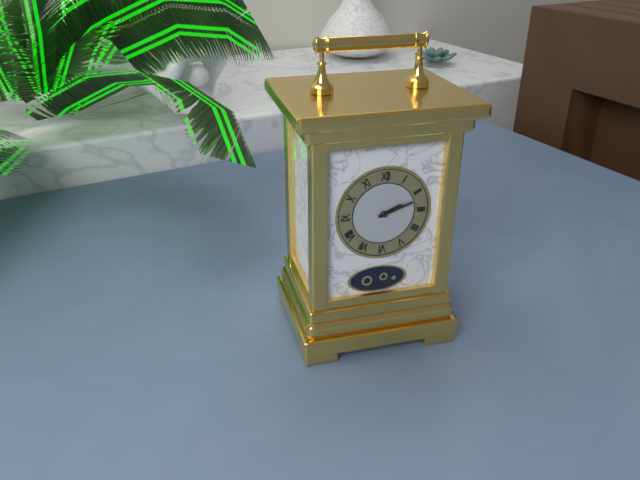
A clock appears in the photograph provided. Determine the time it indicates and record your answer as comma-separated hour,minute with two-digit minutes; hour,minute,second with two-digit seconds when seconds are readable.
2,12
